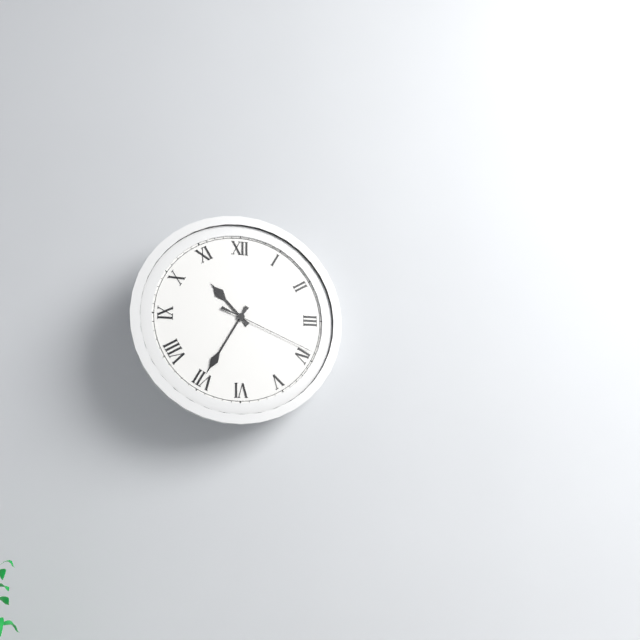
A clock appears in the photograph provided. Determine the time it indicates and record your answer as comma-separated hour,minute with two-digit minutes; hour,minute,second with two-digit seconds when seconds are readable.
10,35,19
